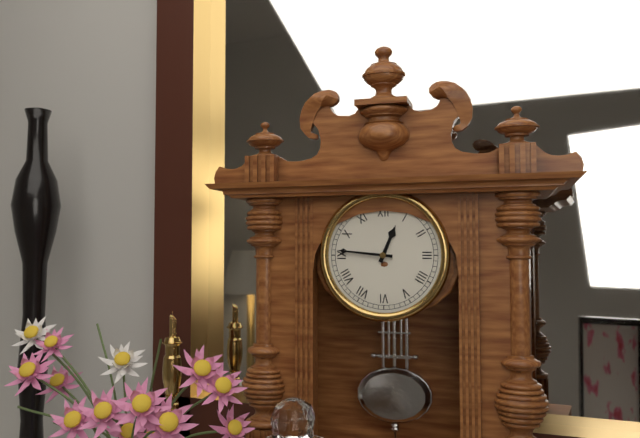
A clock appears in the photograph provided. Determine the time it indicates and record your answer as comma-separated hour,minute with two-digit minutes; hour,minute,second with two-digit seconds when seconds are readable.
12,46
